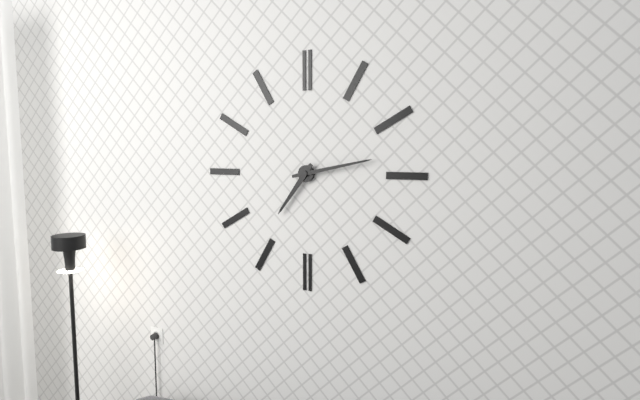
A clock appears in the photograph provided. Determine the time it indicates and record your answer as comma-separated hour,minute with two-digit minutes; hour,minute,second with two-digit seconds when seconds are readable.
7,13
